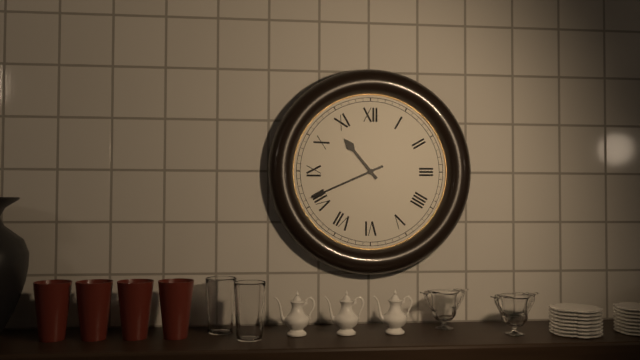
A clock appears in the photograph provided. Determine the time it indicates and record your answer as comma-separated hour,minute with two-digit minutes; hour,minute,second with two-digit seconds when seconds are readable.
10,41
